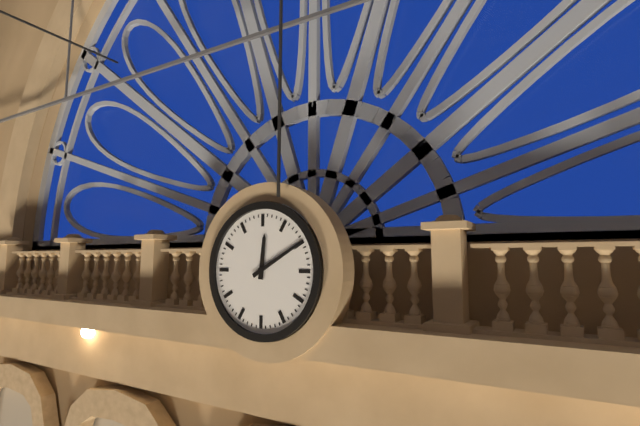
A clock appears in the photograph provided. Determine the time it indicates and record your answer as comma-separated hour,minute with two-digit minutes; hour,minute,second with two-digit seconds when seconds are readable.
12,10
